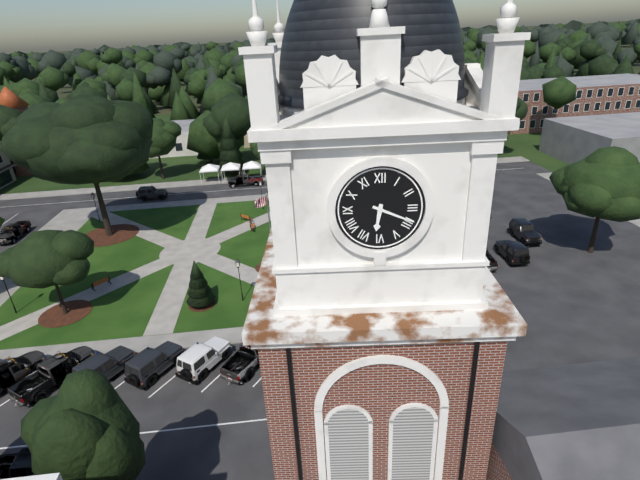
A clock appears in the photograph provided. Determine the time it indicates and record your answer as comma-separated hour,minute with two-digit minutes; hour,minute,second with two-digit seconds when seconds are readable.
6,19
